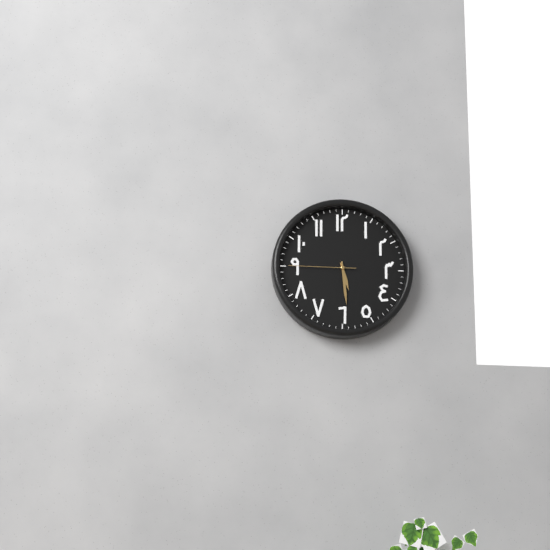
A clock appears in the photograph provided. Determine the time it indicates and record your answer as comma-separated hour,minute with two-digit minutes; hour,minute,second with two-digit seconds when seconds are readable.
5,29,45
